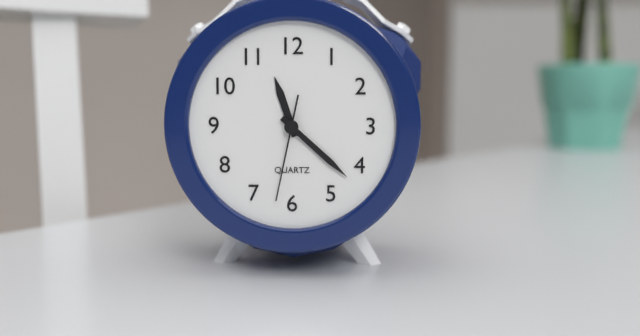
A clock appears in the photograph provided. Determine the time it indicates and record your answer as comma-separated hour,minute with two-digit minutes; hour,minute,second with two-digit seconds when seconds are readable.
11,22,32
